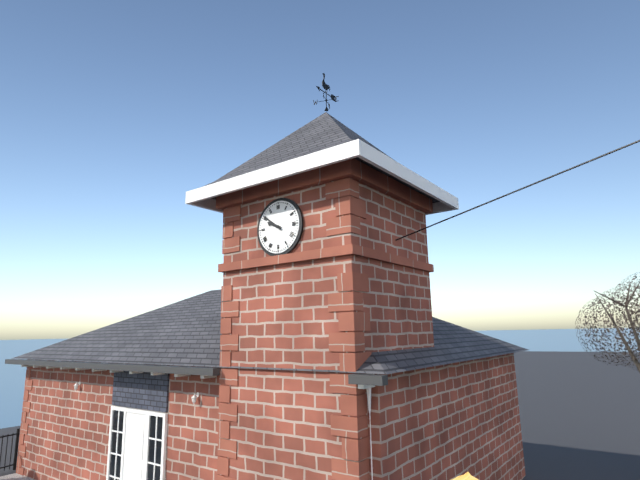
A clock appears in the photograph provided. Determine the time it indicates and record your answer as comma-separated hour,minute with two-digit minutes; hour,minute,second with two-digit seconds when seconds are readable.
9,51
